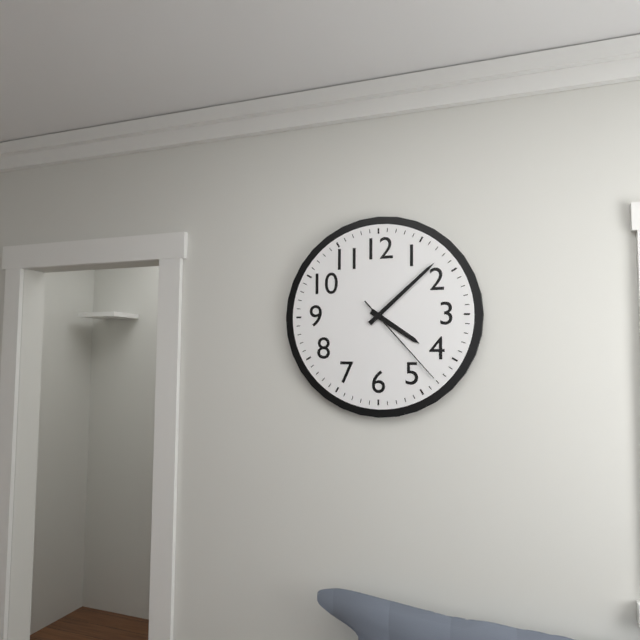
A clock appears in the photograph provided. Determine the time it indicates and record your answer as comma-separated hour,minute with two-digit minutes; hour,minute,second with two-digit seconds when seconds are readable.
4,08,23
